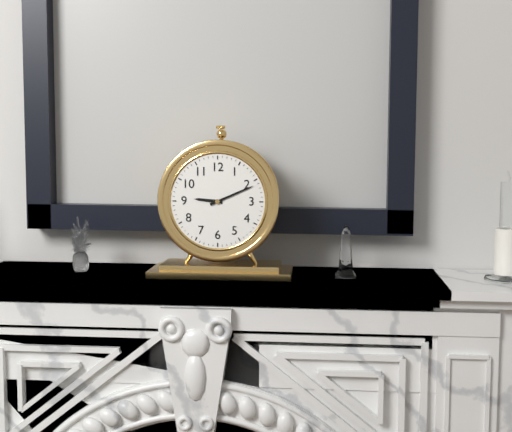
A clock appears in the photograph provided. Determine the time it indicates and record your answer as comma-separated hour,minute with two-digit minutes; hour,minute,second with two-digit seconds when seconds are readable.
9,11
